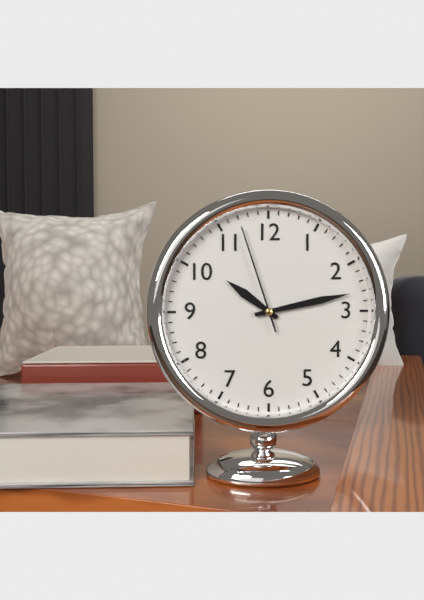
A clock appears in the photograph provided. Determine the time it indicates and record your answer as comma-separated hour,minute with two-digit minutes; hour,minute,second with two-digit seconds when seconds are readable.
10,13,57
